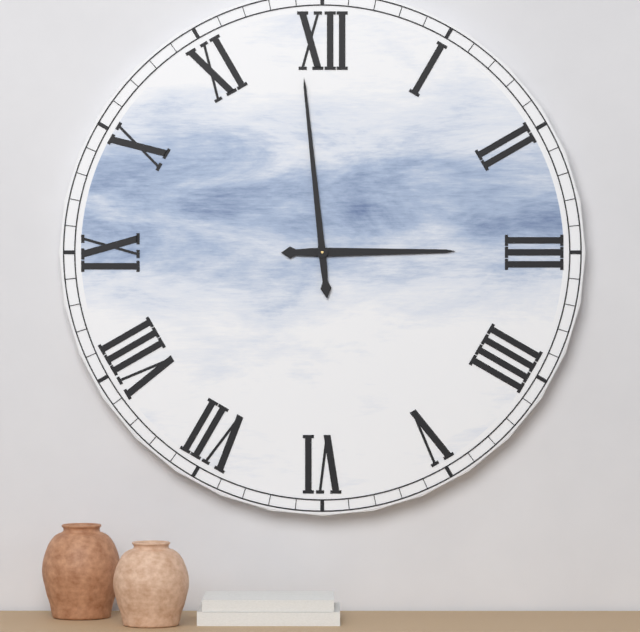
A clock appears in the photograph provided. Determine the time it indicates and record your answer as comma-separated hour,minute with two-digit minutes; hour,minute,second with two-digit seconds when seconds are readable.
2,59
